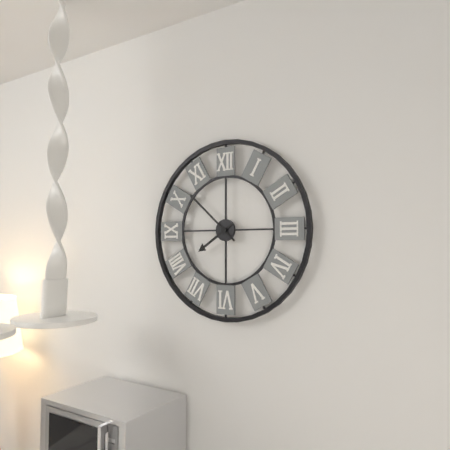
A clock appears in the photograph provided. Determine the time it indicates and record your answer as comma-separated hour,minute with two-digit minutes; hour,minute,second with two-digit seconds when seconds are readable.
7,52
